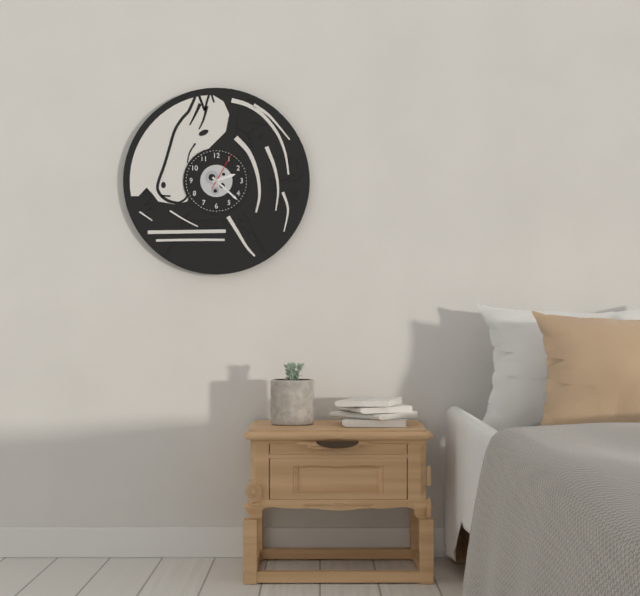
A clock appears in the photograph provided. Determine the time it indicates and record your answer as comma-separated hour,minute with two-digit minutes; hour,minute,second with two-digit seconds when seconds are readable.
2,22
